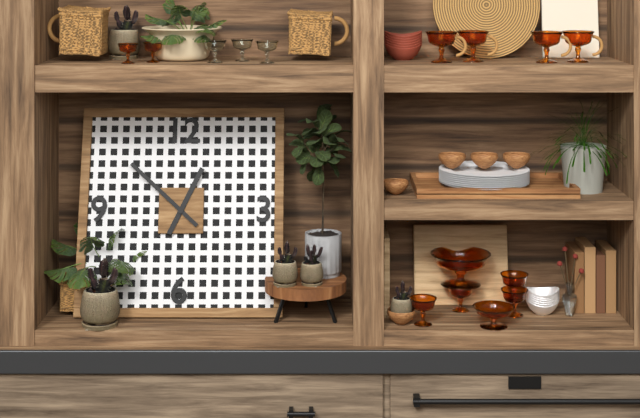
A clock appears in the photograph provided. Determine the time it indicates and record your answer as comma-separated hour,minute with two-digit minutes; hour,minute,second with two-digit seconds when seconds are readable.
12,52
